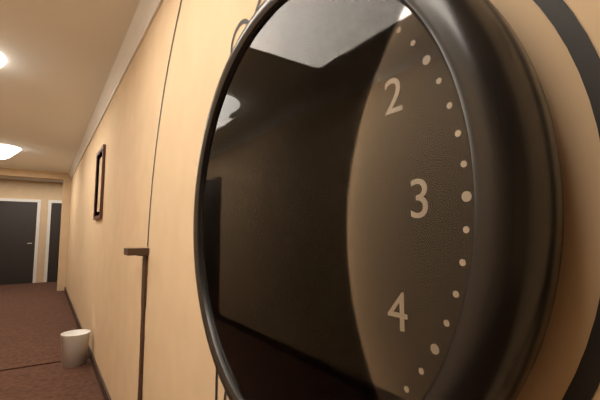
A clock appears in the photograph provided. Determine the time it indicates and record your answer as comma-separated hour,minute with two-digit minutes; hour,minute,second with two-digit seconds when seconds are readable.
8,44
